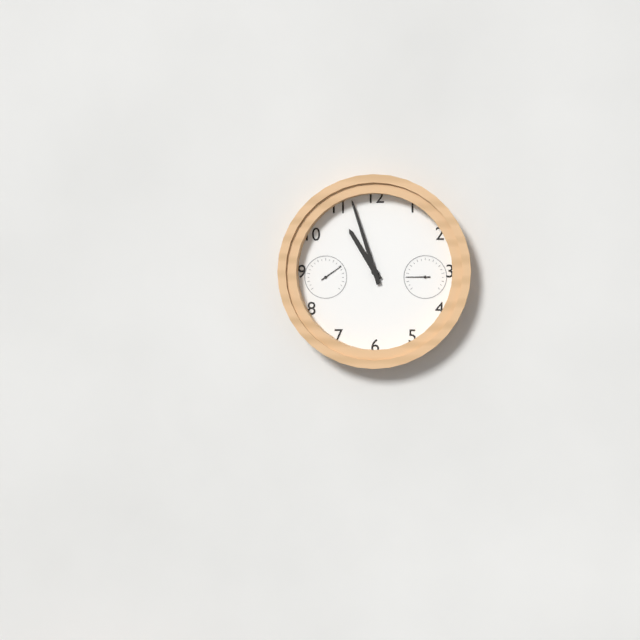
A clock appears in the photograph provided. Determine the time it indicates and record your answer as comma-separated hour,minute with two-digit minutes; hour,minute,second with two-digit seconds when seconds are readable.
10,57
